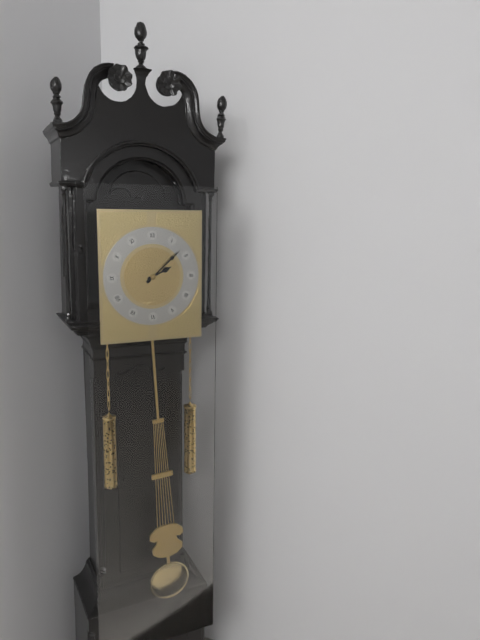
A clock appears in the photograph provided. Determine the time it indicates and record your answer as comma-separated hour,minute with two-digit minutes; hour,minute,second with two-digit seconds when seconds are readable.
2,08
